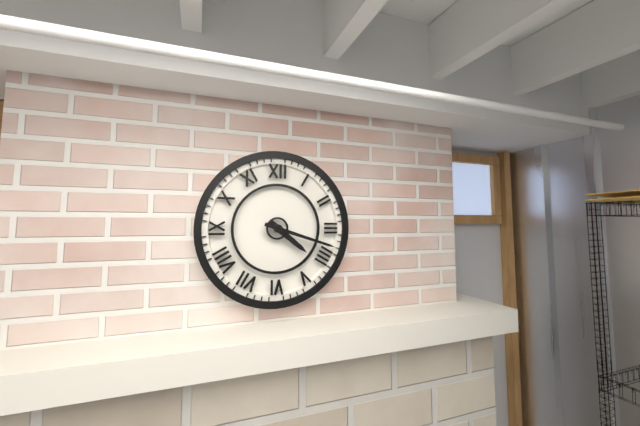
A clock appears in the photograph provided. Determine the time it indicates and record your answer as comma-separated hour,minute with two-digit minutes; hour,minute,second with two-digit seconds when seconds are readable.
4,18
